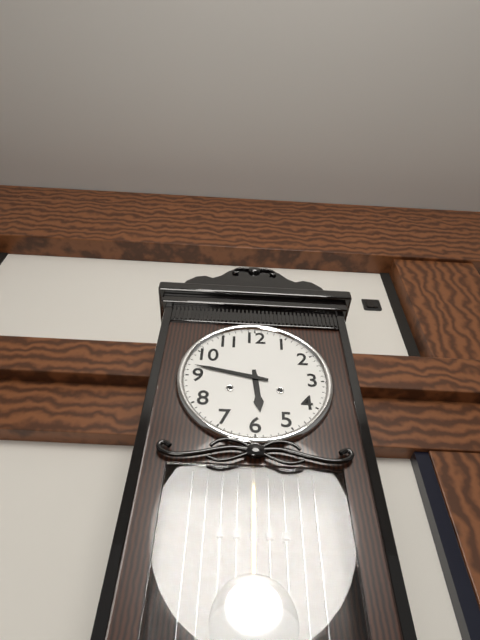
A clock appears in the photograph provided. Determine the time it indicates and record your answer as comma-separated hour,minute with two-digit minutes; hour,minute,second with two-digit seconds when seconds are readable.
5,47
